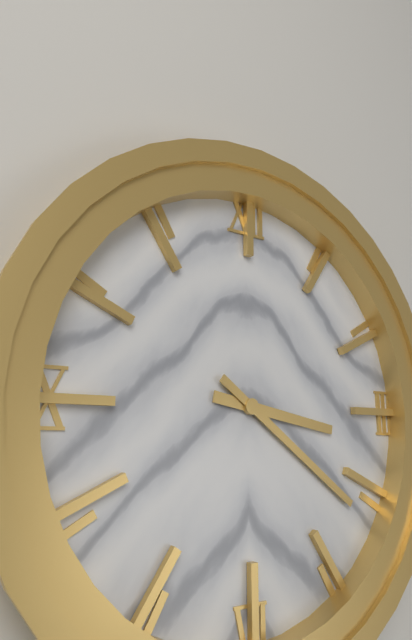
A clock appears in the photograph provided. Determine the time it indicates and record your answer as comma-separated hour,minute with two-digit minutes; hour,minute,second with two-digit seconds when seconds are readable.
3,21
